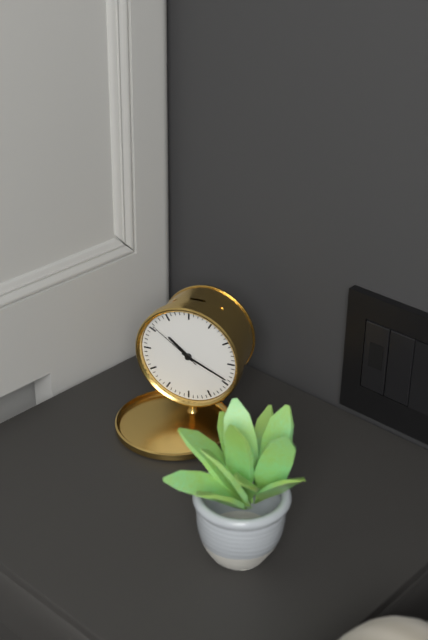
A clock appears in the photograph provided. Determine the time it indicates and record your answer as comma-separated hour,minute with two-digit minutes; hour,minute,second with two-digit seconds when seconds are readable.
10,19,51
